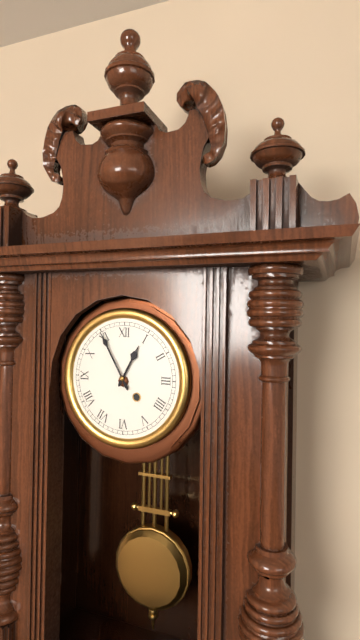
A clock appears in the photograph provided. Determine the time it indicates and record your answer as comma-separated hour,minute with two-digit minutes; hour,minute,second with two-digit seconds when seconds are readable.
12,55
